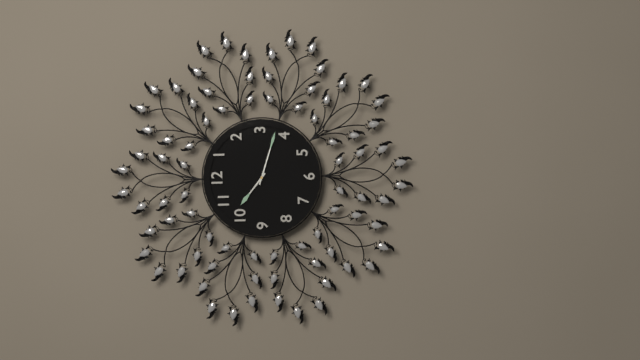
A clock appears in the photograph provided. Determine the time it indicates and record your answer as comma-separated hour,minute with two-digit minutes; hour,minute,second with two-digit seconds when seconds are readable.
10,18
